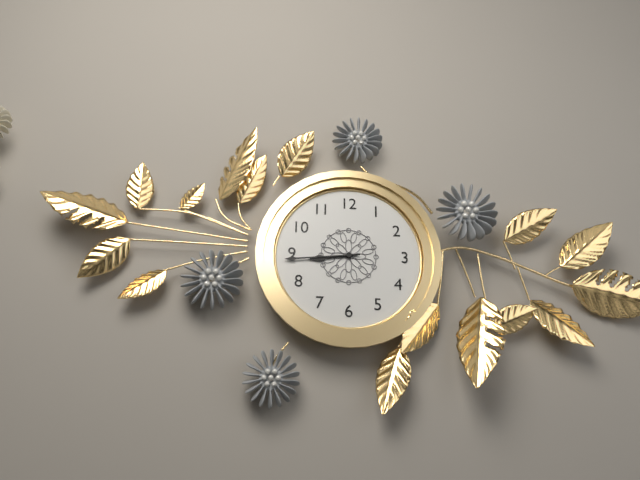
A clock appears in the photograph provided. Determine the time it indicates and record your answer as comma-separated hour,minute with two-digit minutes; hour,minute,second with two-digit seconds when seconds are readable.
8,44
